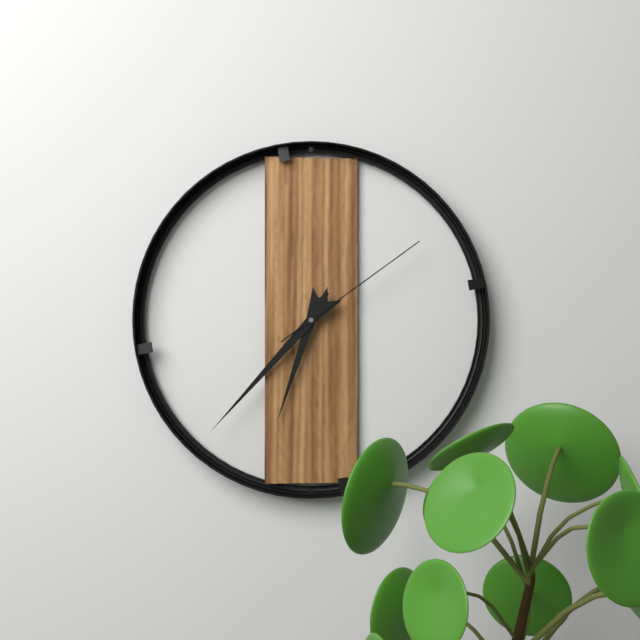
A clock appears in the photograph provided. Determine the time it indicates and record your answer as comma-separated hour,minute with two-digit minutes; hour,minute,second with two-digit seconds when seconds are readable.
6,37,09
